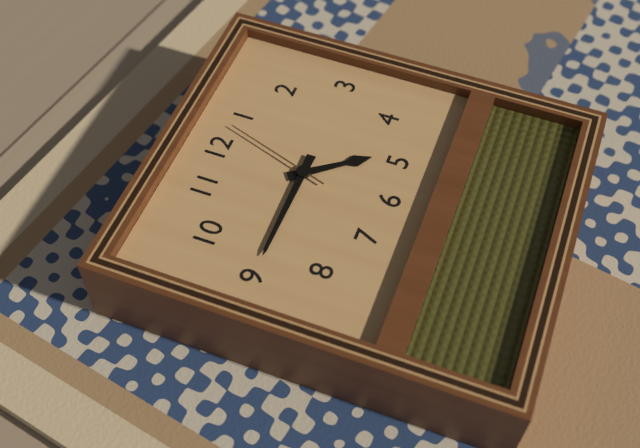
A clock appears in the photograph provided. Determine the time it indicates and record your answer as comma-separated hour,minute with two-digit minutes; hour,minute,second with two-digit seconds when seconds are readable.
4,45,03
